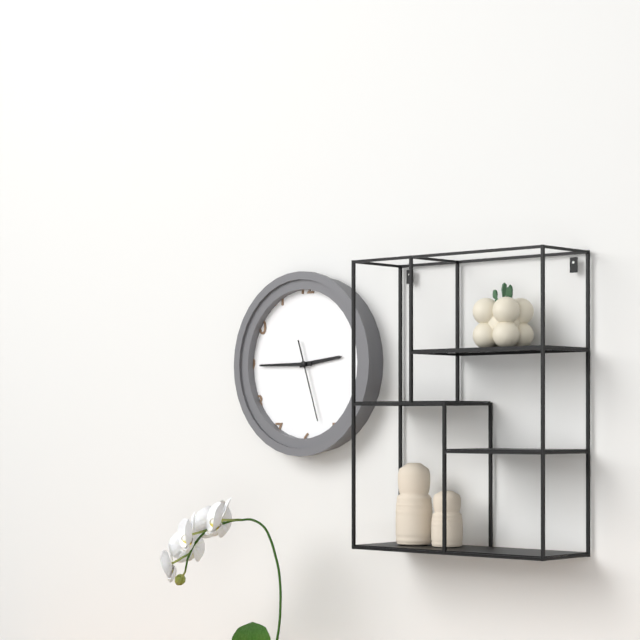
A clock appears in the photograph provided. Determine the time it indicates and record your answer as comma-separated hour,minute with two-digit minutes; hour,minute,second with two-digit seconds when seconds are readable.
2,45,27
